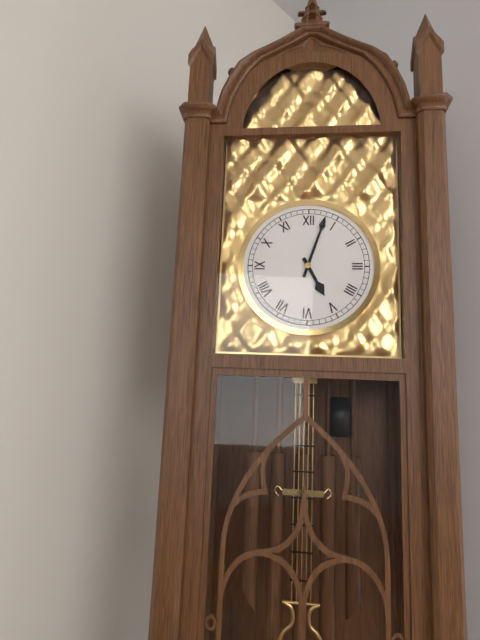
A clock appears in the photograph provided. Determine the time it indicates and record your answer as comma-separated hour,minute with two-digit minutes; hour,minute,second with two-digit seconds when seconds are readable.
5,03
